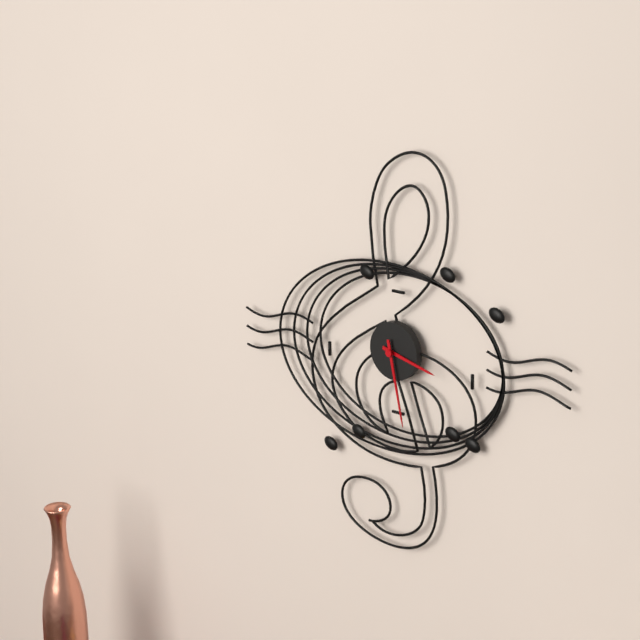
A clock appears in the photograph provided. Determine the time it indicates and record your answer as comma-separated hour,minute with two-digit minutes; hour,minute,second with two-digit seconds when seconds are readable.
3,28
